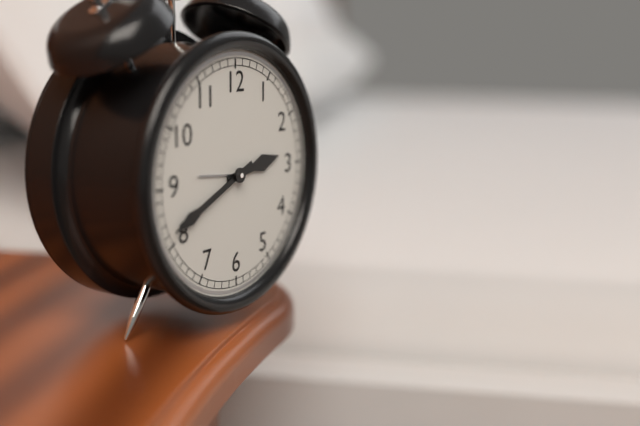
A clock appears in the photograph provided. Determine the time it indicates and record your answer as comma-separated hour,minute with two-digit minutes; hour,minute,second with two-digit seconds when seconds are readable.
2,41
